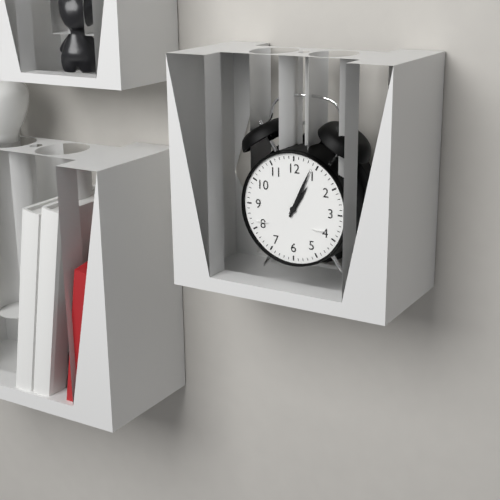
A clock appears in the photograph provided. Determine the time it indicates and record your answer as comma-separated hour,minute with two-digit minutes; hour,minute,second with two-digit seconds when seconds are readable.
1,04
